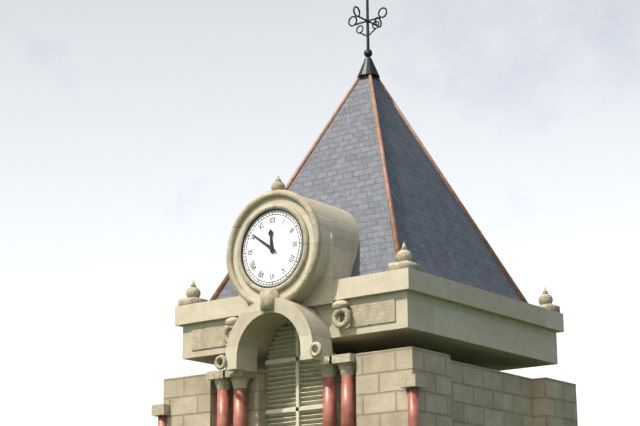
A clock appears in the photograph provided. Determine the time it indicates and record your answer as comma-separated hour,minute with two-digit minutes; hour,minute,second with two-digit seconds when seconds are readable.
11,51
